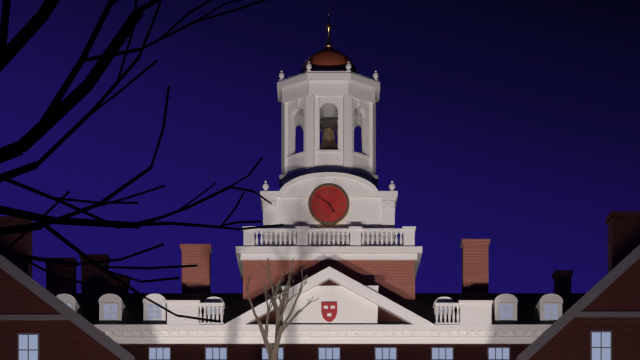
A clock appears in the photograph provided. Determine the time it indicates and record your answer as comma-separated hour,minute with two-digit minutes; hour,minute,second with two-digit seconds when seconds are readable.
4,51
